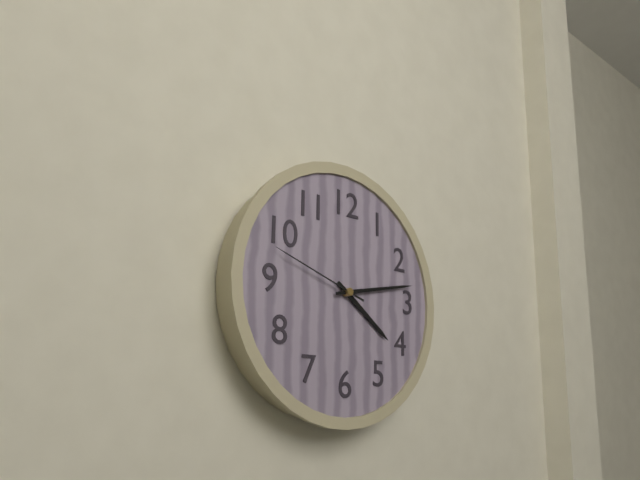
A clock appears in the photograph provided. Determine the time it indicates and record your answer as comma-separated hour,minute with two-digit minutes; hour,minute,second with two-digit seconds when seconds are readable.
4,13,48
